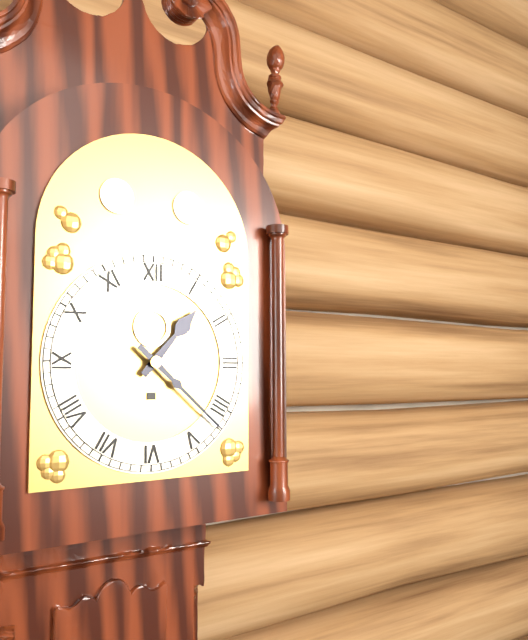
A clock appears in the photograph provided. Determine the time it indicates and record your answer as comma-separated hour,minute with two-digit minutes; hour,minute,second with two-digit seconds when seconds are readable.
1,22
